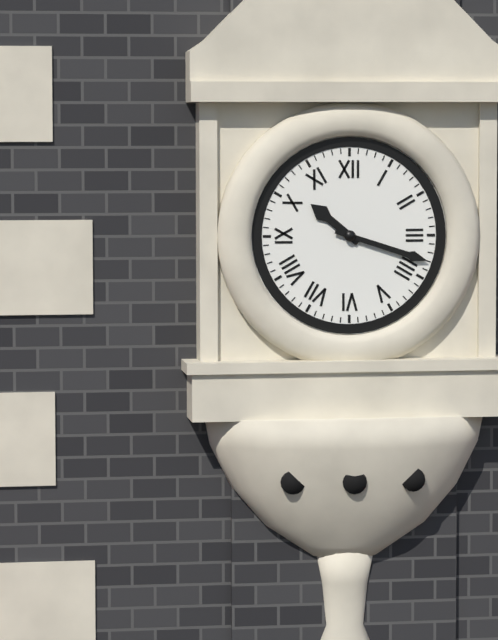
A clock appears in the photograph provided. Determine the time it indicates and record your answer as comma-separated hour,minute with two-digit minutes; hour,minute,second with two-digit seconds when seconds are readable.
10,18
